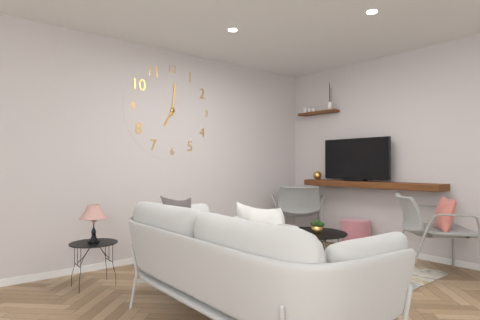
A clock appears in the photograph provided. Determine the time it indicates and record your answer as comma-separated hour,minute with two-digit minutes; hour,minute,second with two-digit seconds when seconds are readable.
7,01
